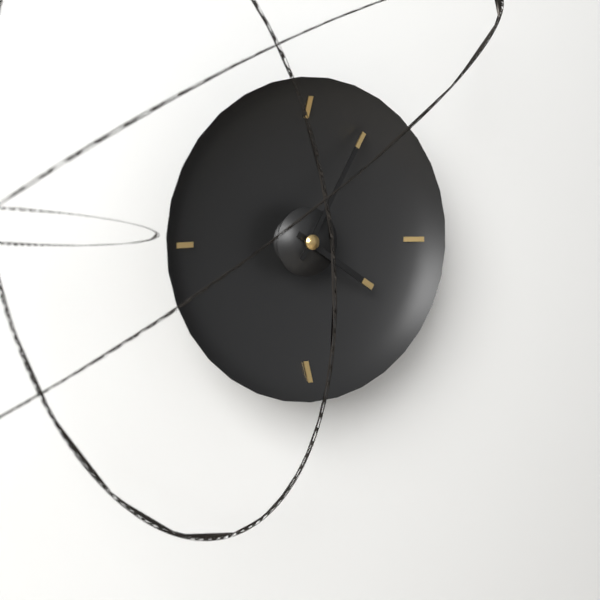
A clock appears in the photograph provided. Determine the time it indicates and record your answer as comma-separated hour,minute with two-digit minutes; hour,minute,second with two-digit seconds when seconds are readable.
4,05
